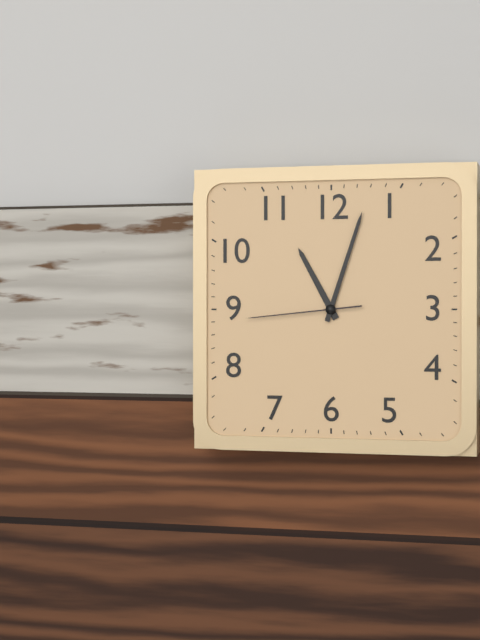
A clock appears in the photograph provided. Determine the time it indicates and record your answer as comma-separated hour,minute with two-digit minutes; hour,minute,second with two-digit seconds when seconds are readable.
11,03,44
